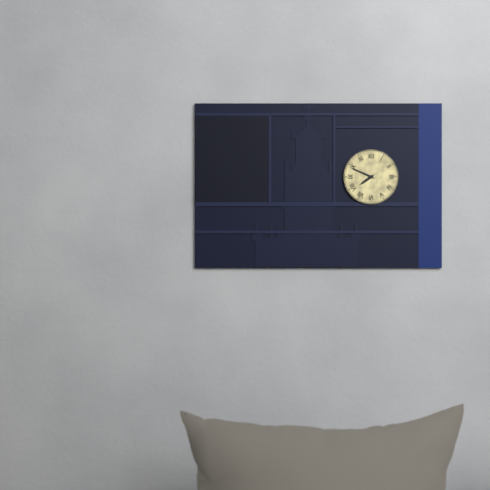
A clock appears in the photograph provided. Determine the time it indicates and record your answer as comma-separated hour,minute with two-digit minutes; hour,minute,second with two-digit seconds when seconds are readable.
7,49
